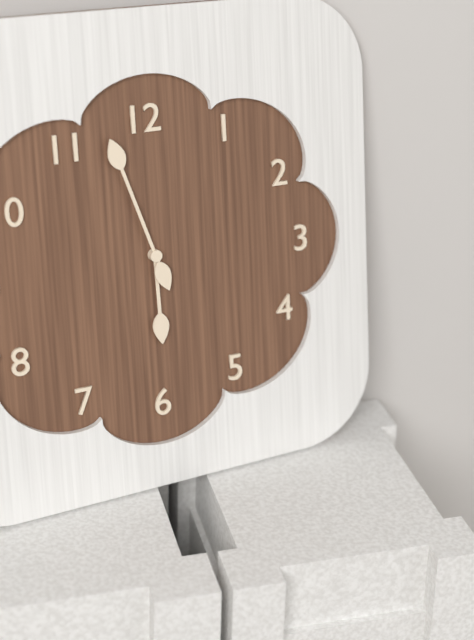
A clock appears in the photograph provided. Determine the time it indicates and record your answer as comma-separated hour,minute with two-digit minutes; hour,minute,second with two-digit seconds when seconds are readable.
5,57
